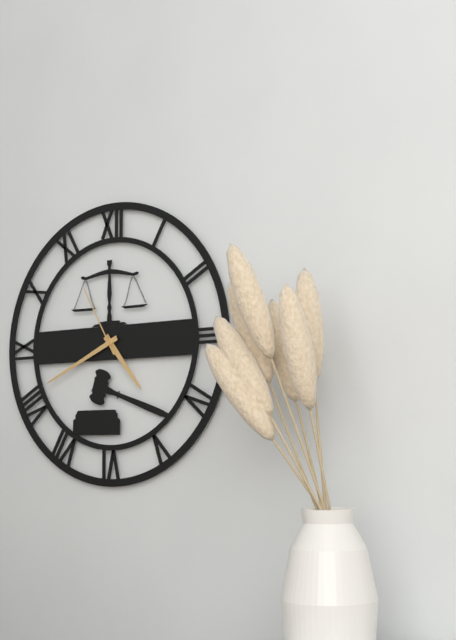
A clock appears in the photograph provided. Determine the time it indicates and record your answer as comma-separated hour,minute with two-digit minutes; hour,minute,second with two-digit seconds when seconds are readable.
4,41,55
